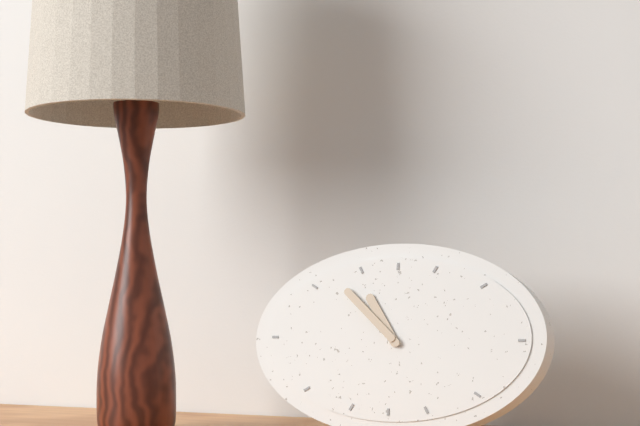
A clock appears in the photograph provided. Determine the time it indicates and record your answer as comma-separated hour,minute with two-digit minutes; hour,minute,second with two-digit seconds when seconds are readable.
10,52
